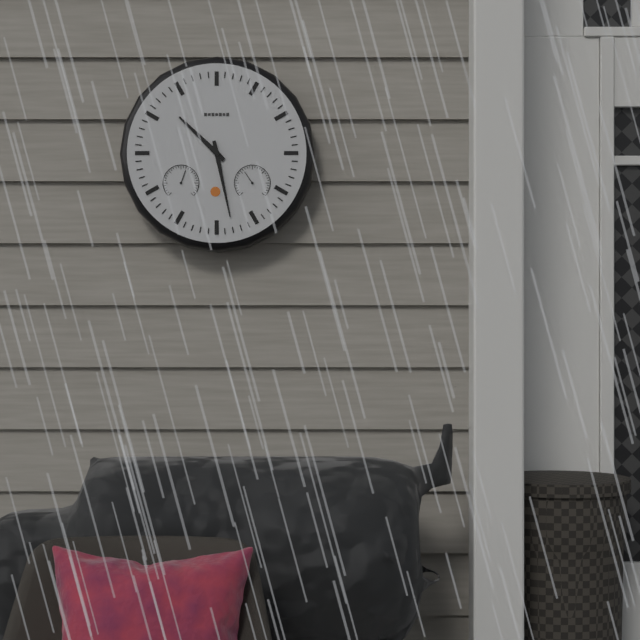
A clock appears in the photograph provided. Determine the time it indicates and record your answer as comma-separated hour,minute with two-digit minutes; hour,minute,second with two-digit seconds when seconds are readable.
10,28
